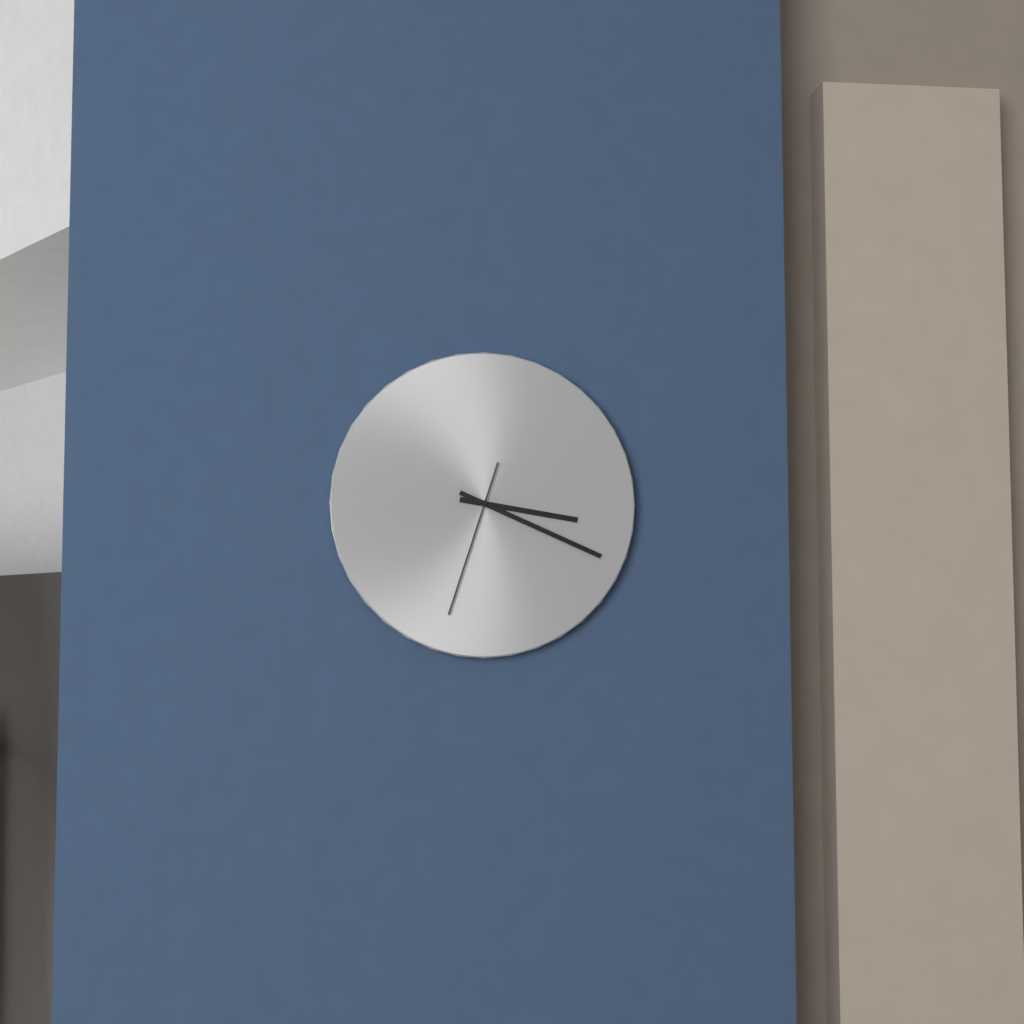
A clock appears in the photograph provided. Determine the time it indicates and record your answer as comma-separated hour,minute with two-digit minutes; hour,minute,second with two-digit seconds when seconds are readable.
3,19,33
